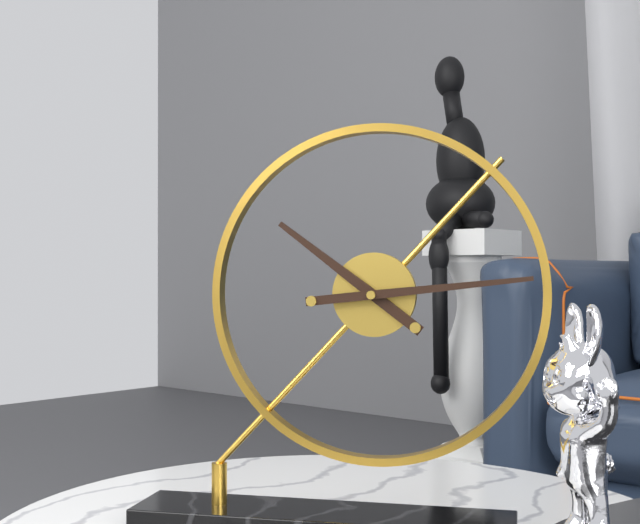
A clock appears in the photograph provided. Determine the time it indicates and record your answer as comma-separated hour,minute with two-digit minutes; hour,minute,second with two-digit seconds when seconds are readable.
10,14
